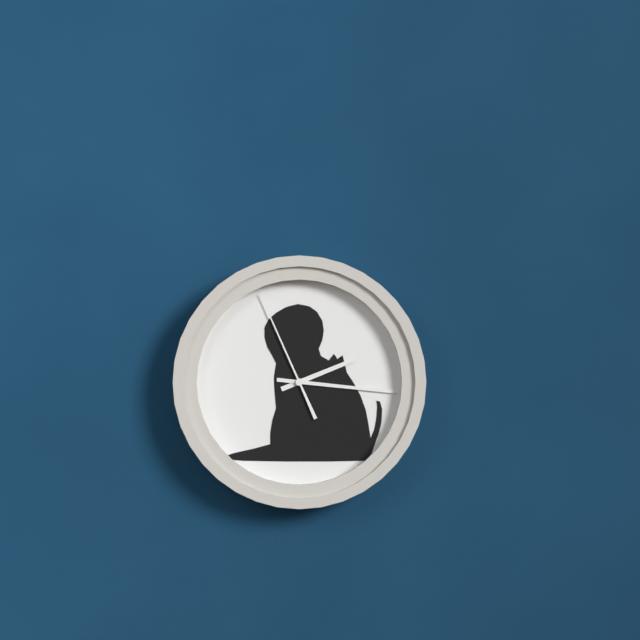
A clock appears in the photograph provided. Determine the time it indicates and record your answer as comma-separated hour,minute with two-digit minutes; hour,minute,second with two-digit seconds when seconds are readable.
2,16,56
